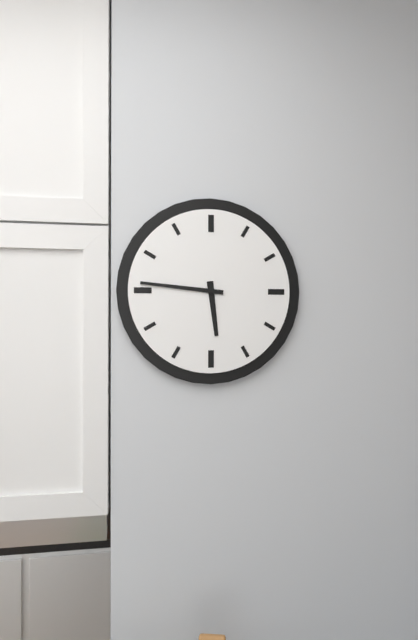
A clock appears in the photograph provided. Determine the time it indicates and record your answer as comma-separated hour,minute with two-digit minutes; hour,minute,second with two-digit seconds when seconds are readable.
5,46
